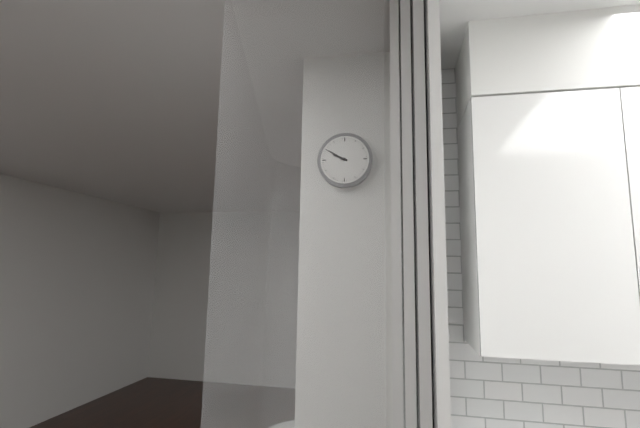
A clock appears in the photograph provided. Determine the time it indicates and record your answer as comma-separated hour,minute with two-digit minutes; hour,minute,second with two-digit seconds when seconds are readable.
9,50
